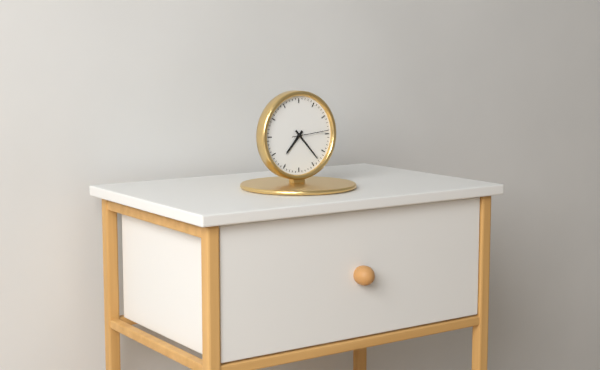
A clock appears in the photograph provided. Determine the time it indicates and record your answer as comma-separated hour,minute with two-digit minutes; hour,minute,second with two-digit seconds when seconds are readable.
7,23
